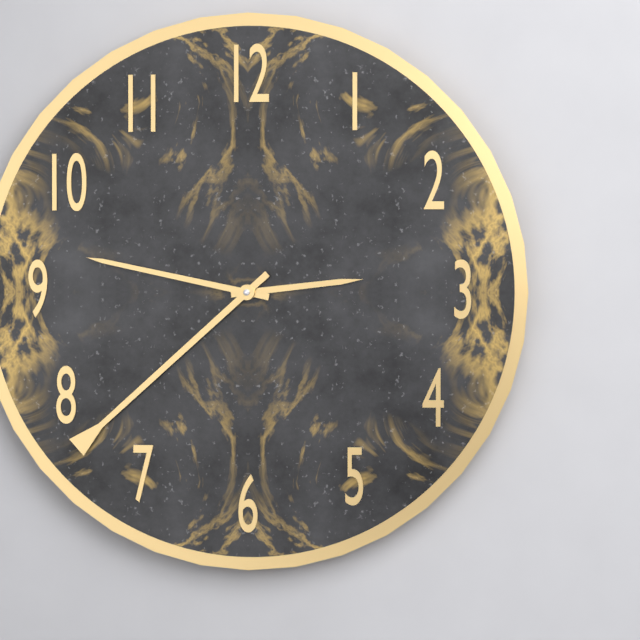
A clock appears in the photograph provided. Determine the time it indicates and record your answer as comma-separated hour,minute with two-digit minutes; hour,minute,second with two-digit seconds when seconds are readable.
2,47,38
